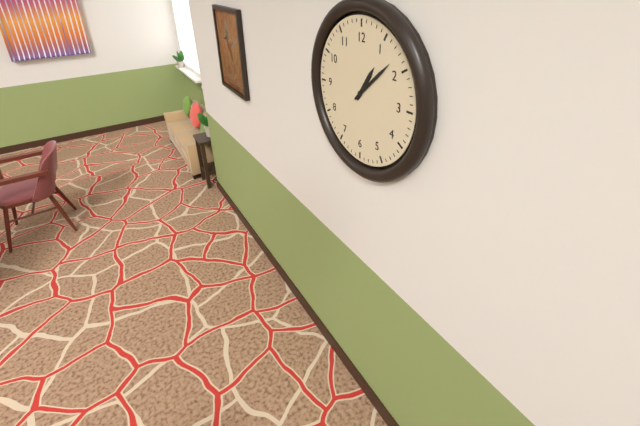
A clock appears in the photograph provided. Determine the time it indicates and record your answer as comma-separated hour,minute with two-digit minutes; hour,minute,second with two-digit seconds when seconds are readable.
1,08
